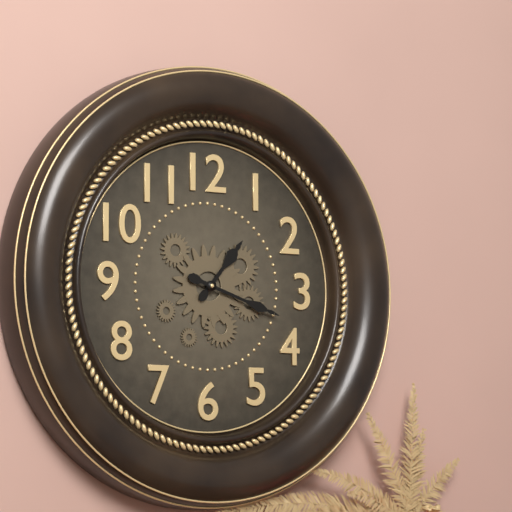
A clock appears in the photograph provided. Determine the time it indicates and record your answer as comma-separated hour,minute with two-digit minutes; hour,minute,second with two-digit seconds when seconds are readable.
1,18
